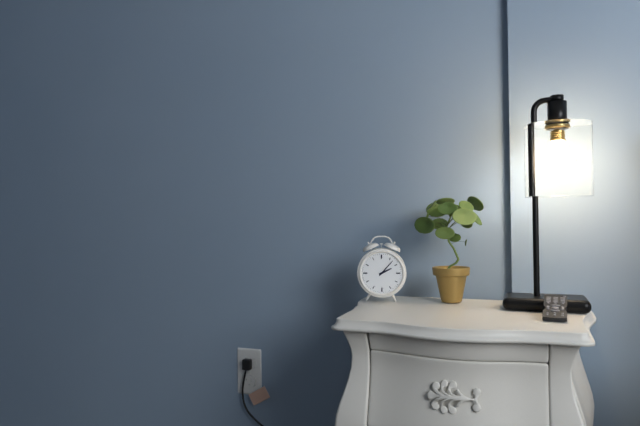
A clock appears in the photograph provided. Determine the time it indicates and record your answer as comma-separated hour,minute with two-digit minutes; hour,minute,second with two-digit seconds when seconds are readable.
2,07
